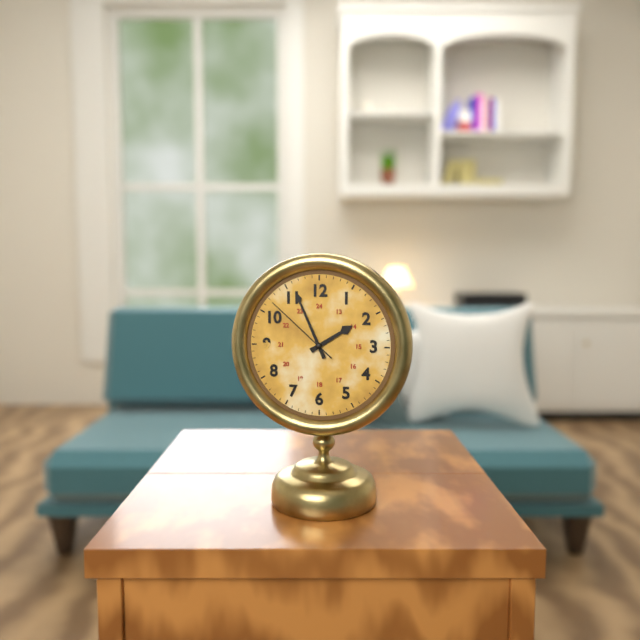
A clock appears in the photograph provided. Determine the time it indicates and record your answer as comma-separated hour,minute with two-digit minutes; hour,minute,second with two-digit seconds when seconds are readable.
1,56,52
